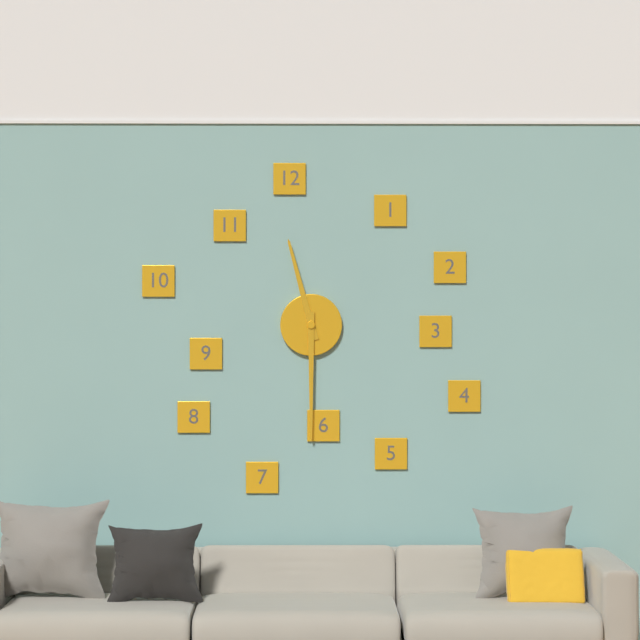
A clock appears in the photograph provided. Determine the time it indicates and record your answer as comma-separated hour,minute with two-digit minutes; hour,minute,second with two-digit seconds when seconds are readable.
11,30
